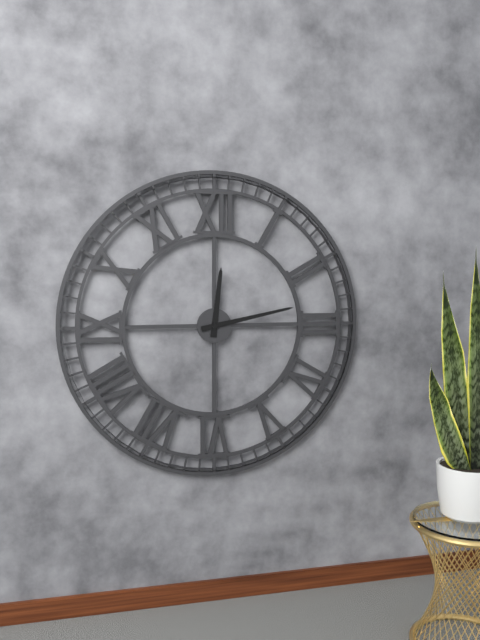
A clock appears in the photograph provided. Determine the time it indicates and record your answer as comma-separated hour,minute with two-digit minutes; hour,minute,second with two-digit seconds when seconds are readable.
12,13
